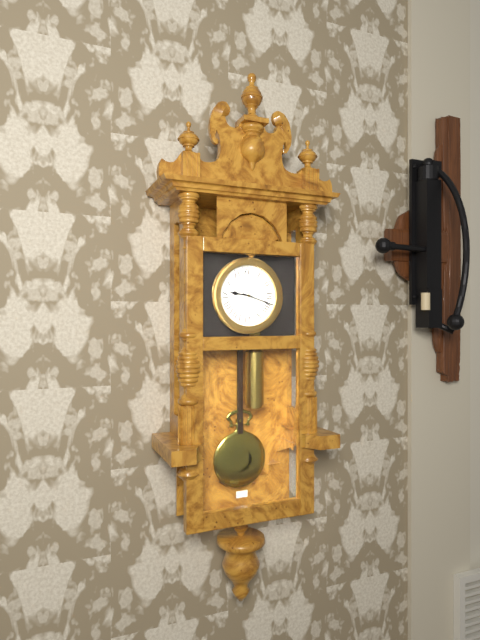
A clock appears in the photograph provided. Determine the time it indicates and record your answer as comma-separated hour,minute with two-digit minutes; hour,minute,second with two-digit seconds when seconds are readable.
9,18
